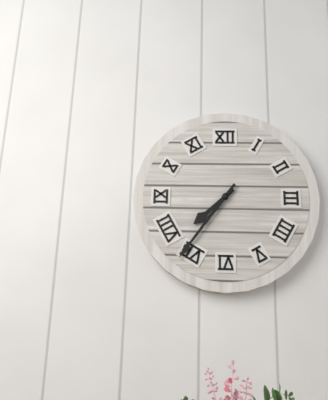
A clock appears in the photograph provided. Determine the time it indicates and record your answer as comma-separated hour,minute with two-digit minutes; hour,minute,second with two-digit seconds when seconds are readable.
7,36
